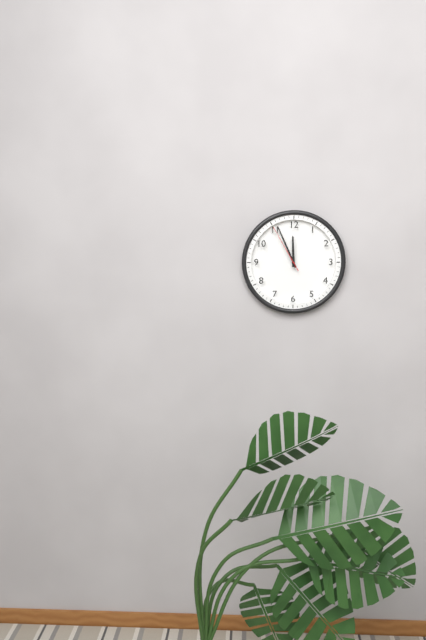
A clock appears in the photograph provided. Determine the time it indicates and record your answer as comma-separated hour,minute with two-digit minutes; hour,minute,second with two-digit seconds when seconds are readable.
11,56,55
